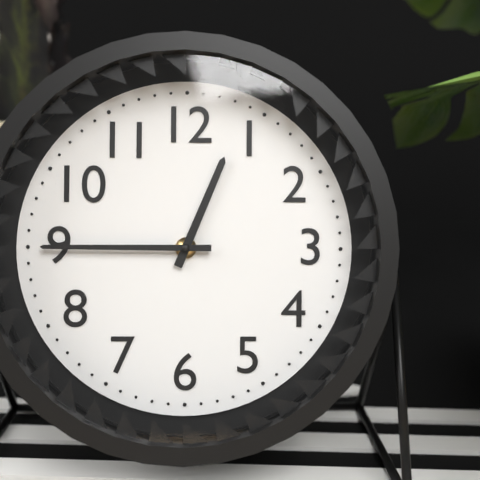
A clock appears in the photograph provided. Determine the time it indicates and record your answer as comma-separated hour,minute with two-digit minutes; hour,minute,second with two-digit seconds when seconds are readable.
12,45
